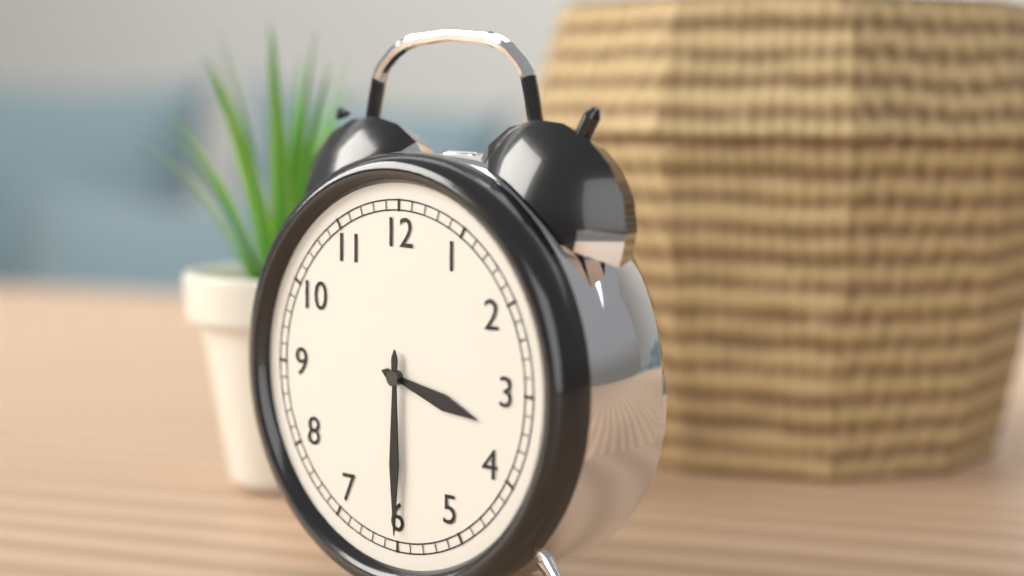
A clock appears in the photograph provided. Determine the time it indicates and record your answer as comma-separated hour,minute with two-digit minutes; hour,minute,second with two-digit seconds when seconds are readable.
3,30
